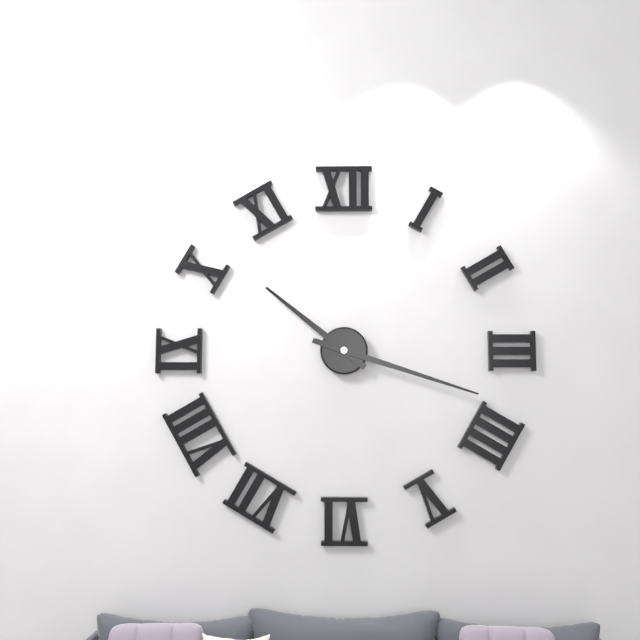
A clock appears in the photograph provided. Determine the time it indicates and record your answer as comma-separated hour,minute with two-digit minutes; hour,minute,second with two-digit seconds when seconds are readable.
10,18
